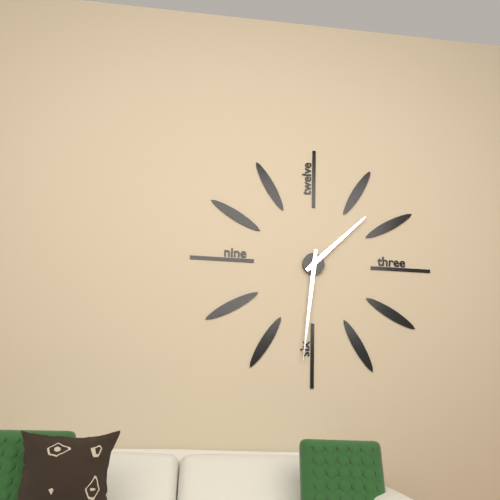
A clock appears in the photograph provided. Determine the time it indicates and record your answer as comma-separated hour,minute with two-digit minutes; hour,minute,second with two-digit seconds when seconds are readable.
1,31
